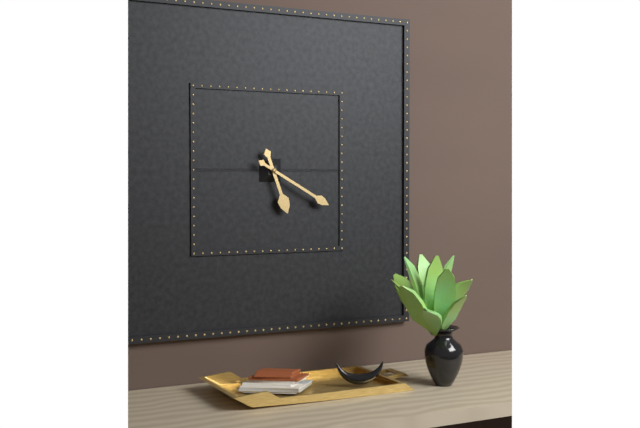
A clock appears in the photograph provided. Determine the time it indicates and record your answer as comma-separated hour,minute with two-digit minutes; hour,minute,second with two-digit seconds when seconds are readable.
5,20
